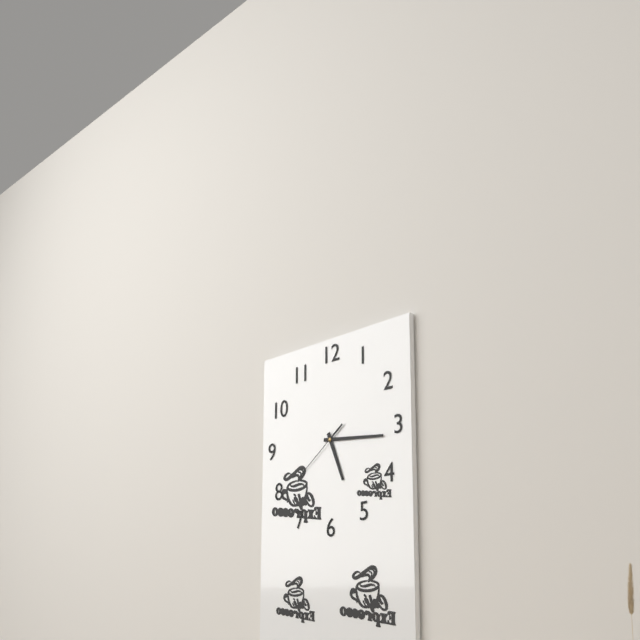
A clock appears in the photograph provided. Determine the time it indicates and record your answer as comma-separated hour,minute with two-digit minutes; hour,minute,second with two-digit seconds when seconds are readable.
5,16,39
